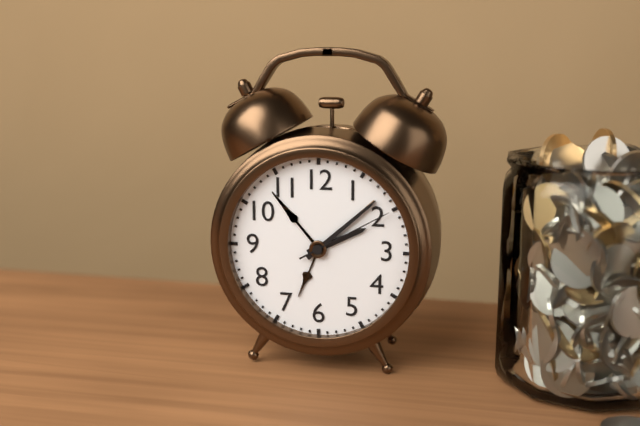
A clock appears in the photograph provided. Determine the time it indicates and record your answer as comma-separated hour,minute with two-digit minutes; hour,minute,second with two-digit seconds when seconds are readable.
2,08,10
